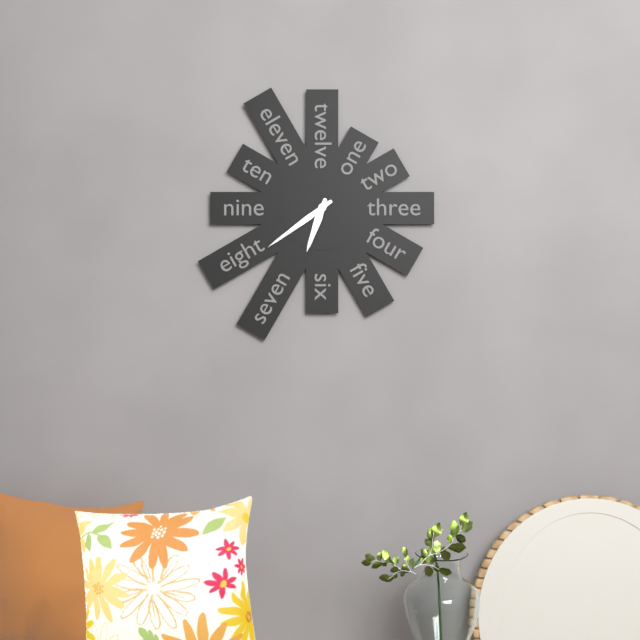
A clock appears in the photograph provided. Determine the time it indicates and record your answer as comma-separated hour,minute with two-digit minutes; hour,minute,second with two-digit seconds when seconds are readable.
6,39
